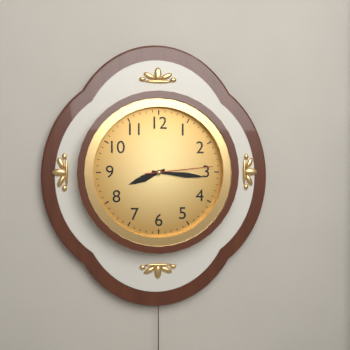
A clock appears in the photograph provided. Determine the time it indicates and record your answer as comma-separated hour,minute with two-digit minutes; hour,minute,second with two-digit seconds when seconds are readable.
8,16,14
